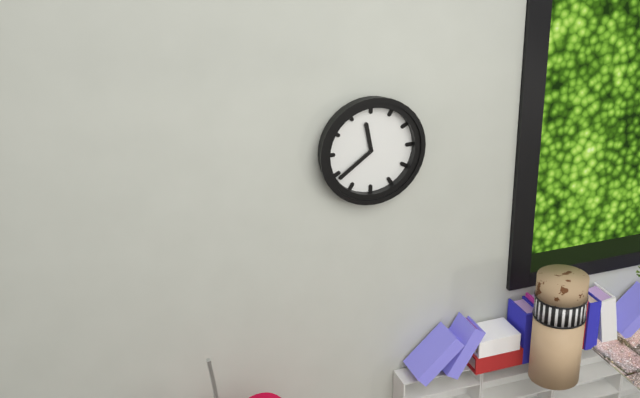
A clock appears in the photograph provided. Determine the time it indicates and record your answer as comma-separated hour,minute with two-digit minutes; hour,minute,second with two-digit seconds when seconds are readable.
11,39
